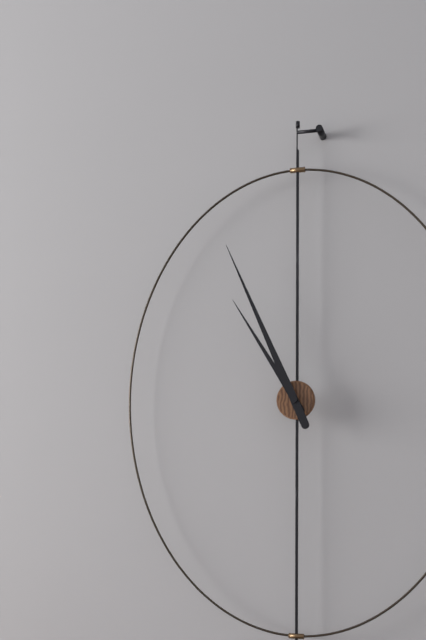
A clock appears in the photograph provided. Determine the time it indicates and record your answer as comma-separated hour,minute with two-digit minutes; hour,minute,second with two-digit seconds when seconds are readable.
10,56
